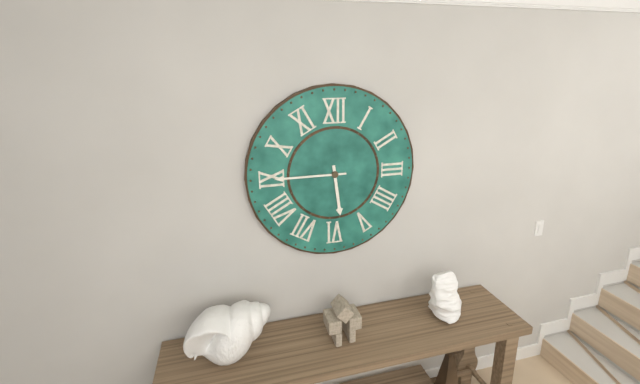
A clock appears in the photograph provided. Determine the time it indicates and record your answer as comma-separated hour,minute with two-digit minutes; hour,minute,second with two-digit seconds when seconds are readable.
5,45
